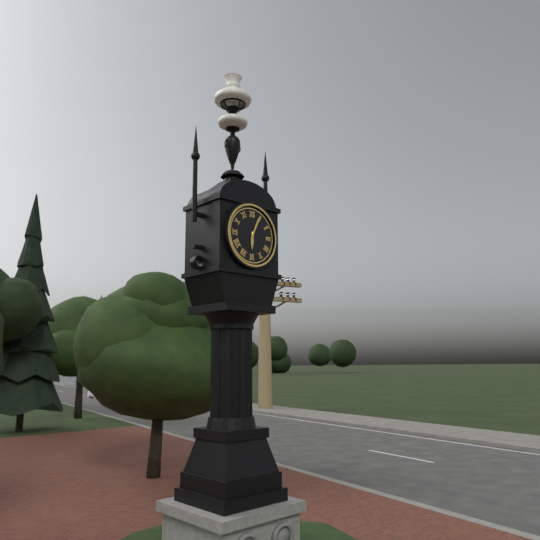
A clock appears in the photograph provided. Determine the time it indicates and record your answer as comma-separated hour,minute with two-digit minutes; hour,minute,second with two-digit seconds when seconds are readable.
6,04
